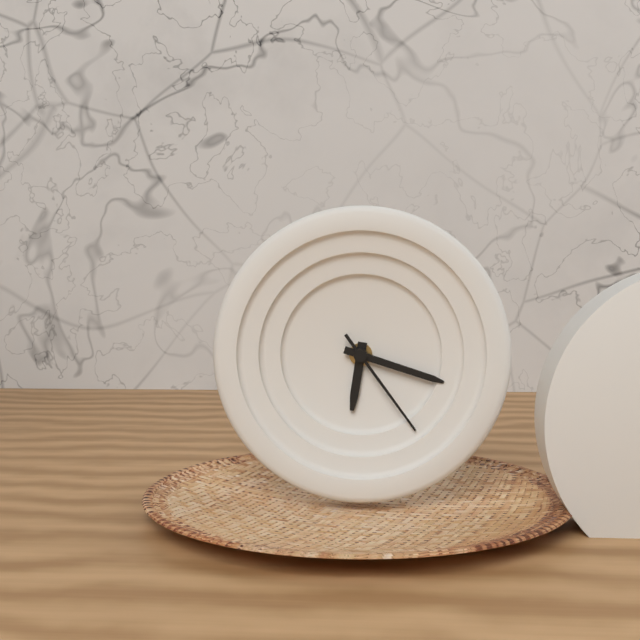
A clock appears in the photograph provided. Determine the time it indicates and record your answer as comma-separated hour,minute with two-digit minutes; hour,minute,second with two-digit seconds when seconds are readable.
6,18,24
